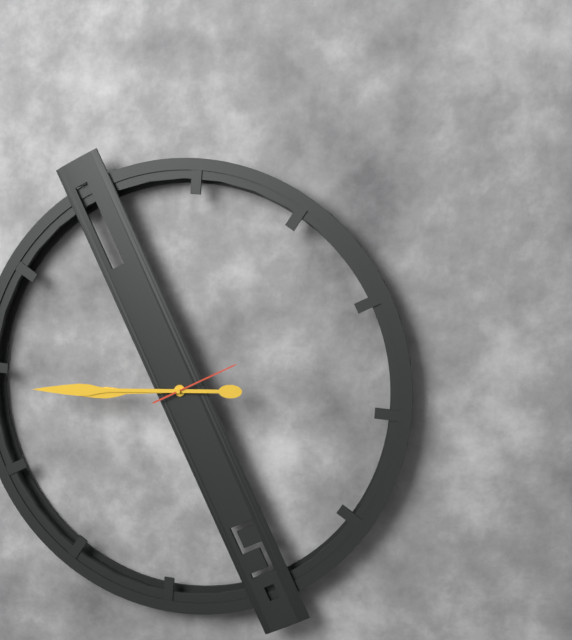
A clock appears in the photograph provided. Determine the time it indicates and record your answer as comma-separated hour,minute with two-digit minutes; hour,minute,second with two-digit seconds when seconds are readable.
8,44,10
